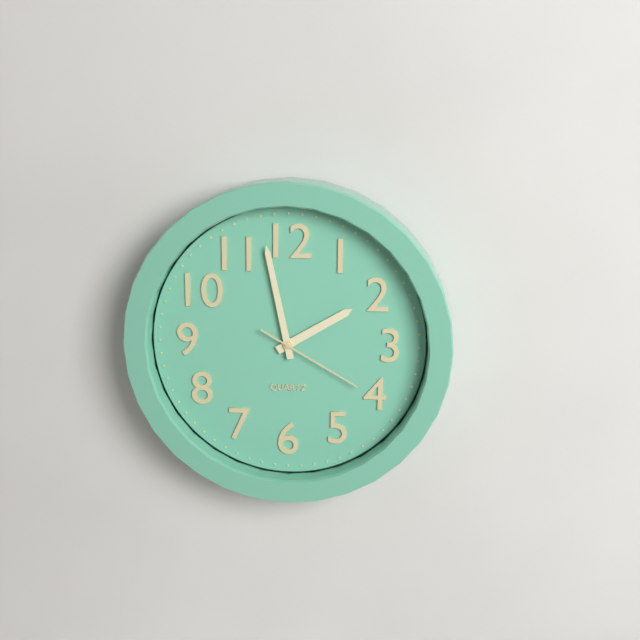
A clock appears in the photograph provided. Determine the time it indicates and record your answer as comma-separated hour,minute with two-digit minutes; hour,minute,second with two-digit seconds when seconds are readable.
1,58,20
